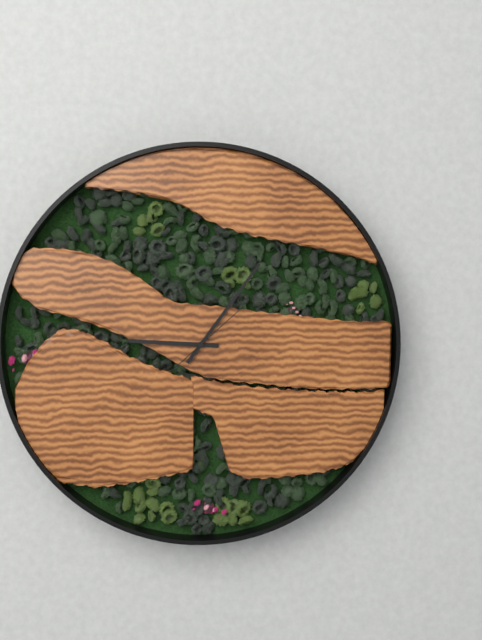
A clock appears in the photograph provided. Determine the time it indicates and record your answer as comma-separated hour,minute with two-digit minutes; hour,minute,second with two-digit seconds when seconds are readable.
9,06,08
